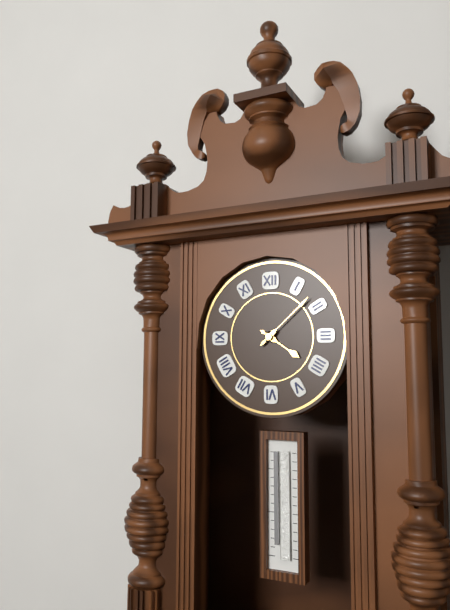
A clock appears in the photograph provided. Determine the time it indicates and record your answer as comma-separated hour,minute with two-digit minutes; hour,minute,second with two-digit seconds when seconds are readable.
4,08
